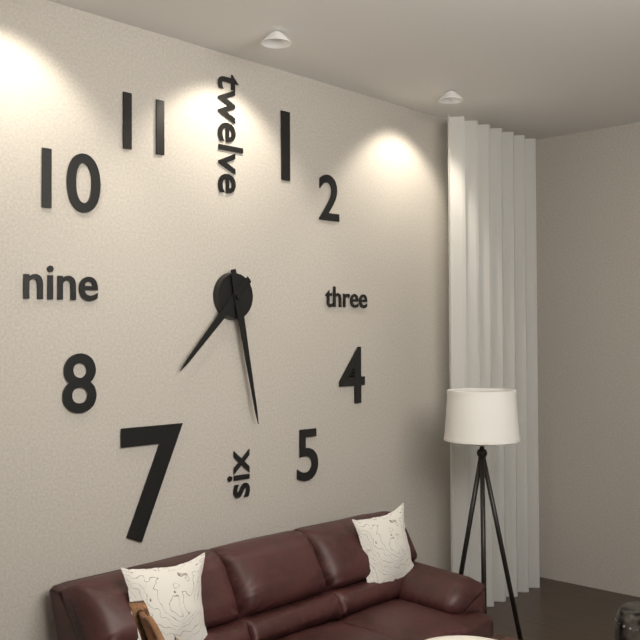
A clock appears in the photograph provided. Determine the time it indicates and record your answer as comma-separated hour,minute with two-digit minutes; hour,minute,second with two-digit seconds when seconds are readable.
7,28
